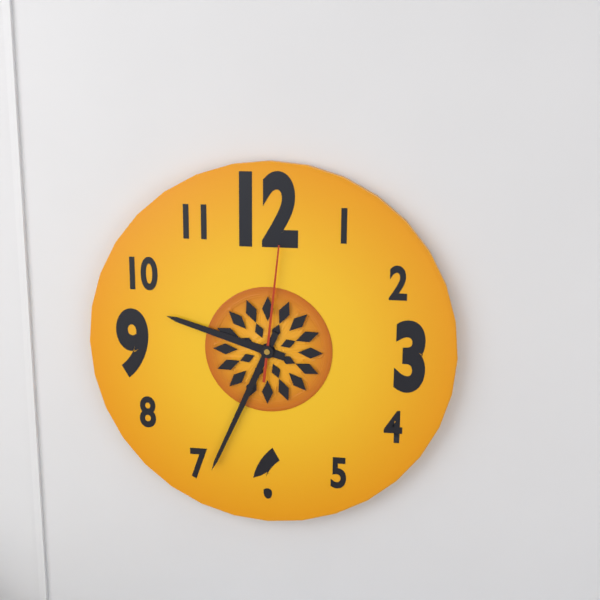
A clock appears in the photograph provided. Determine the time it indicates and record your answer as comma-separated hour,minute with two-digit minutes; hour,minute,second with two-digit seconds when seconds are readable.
9,34,01
